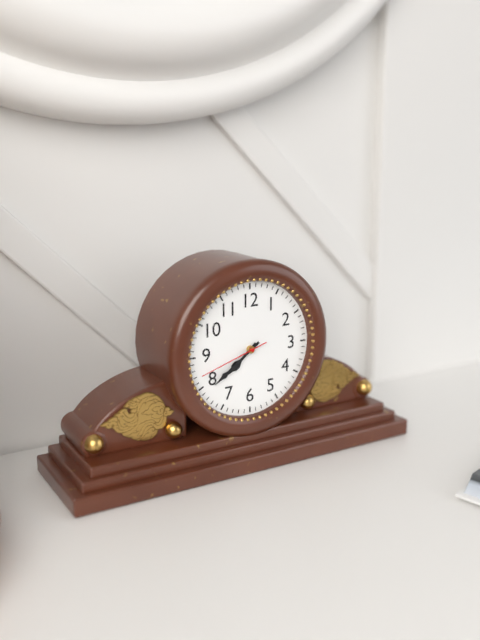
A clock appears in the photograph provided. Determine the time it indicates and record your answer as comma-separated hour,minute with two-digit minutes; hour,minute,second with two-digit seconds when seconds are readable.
7,39,42
